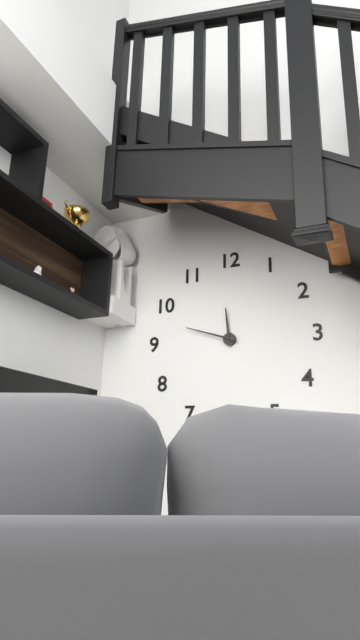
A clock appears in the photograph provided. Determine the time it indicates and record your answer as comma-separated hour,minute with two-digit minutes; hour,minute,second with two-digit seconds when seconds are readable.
11,48
